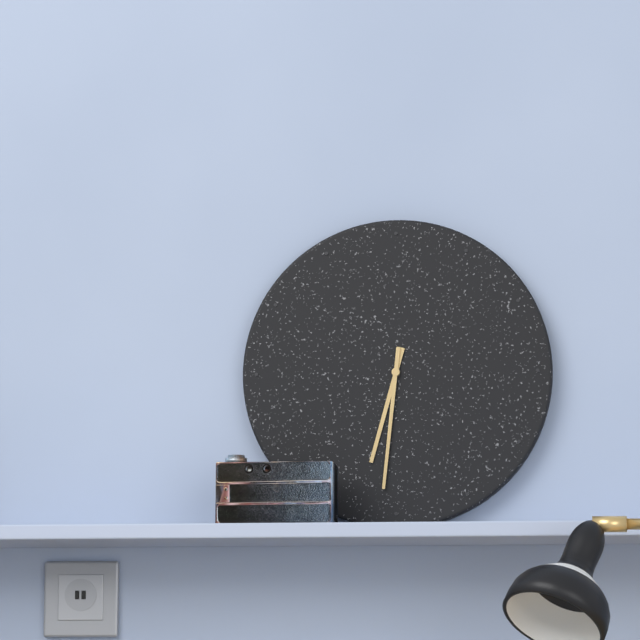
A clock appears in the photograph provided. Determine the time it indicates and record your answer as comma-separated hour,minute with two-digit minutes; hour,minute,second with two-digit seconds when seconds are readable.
6,31
